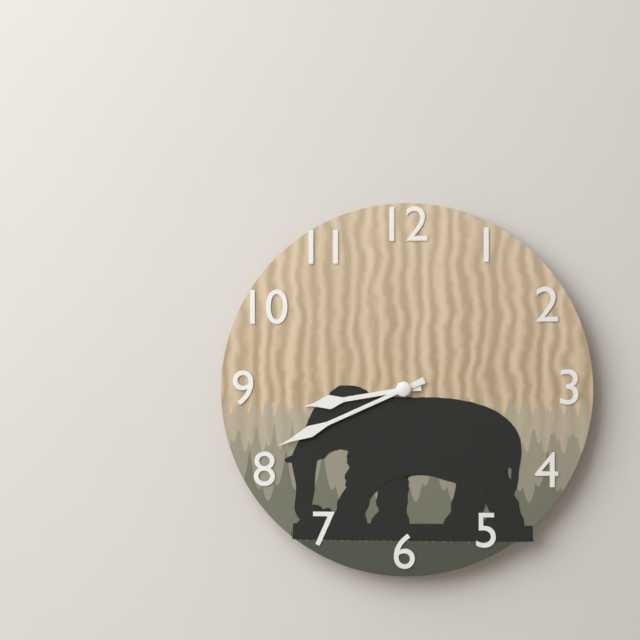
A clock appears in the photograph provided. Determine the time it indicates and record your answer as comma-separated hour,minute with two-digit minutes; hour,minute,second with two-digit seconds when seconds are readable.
8,41
